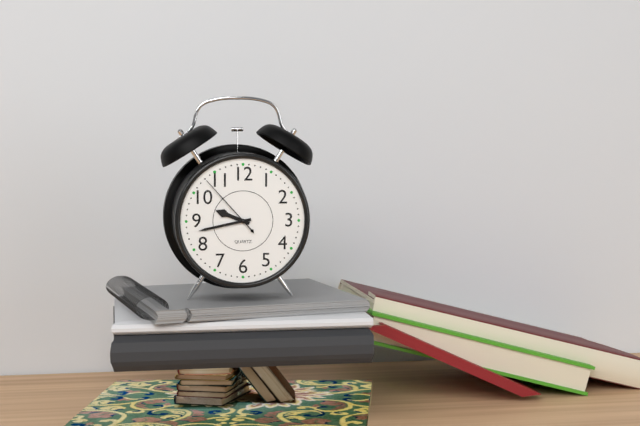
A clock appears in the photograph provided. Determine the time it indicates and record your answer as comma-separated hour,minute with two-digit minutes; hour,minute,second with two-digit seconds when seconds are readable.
9,43,53
